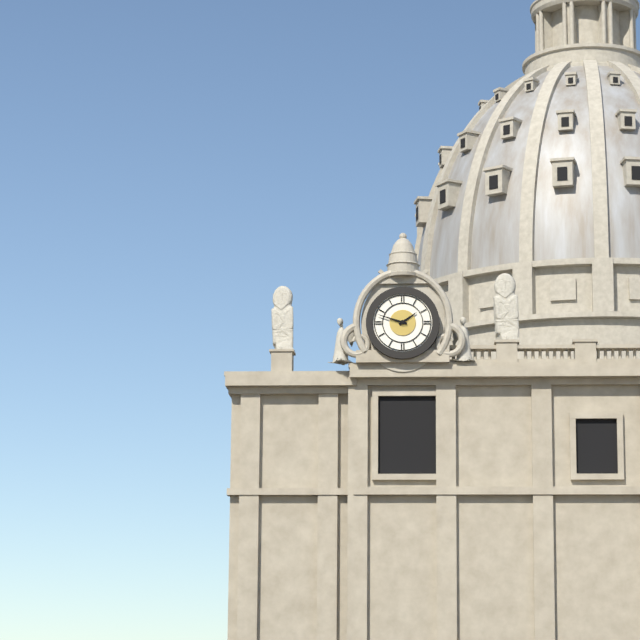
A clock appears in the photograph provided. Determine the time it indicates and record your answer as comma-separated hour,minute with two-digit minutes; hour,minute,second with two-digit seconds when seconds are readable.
1,48
